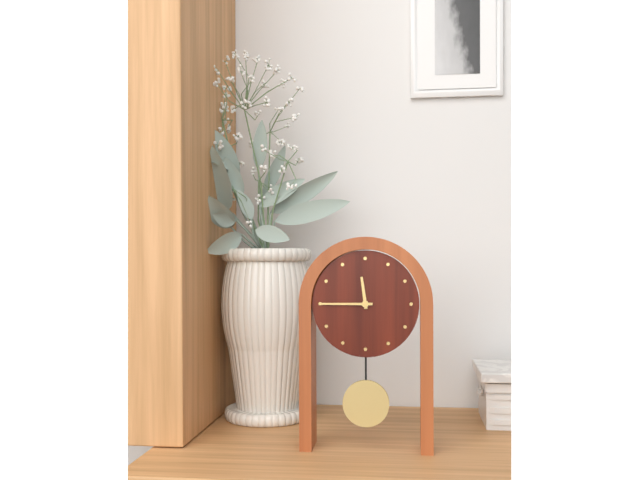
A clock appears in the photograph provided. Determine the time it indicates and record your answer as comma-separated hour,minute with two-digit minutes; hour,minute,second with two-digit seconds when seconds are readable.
11,45
